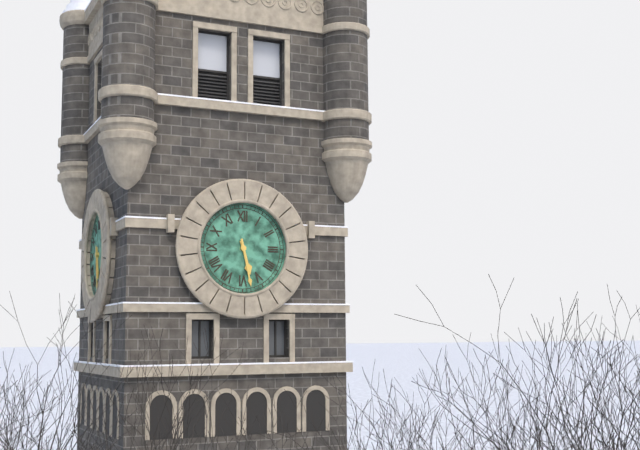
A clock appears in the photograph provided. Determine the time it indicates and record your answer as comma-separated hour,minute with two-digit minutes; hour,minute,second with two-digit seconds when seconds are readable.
5,28
